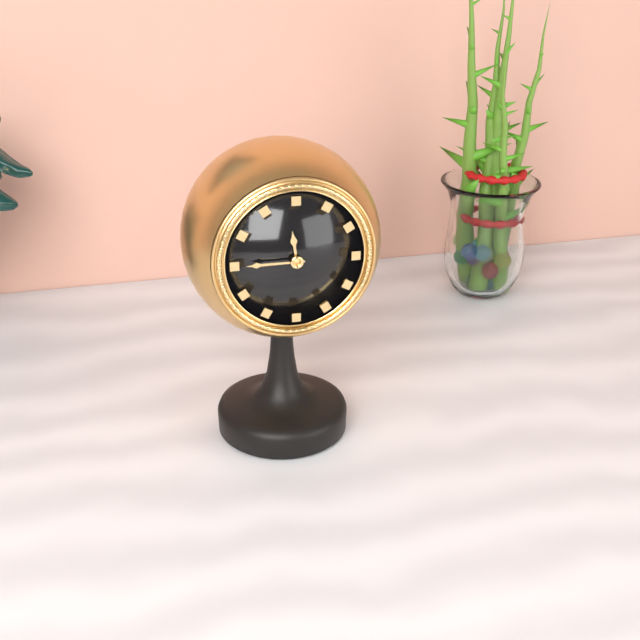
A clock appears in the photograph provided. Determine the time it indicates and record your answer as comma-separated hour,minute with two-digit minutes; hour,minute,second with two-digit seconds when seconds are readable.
11,45
